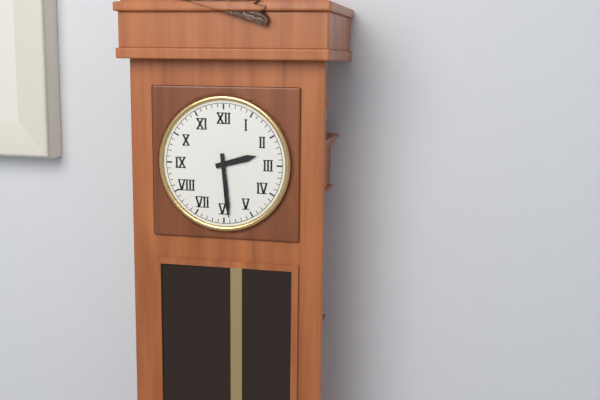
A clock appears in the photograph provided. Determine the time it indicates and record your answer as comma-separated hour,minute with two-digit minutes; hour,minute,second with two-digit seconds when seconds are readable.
2,29
